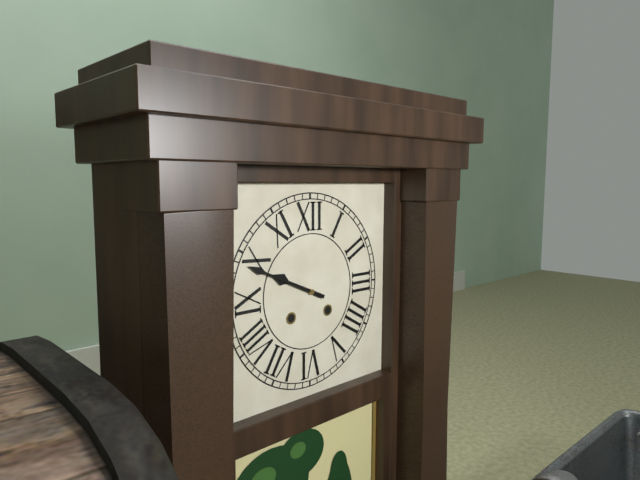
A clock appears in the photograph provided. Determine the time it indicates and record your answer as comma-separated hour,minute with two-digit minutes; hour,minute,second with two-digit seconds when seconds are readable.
9,49
